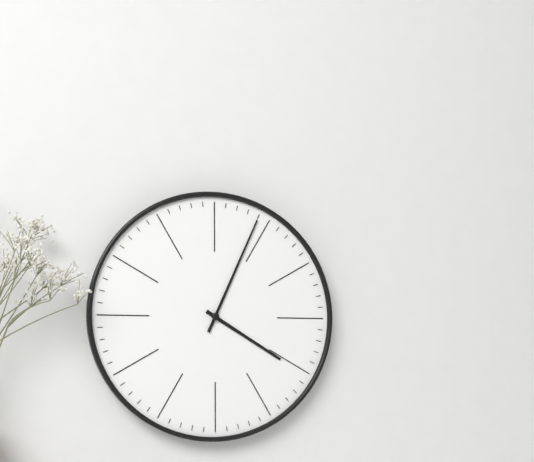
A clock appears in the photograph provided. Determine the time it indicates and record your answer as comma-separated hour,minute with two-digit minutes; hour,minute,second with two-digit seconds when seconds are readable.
4,04
